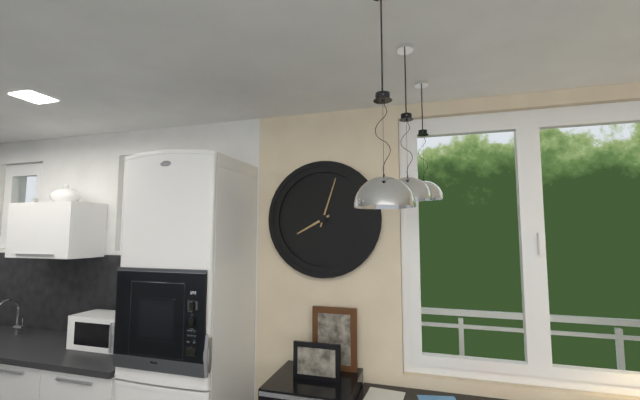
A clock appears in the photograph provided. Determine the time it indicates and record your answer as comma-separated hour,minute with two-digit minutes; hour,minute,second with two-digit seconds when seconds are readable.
8,03
